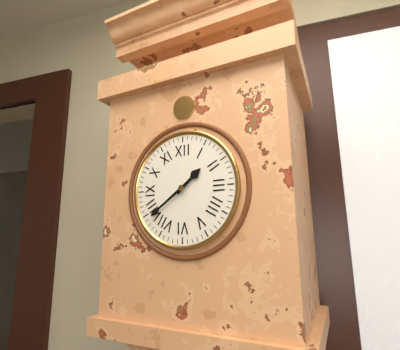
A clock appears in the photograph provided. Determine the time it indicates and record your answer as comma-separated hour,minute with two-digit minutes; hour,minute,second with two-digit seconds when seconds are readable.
1,39
